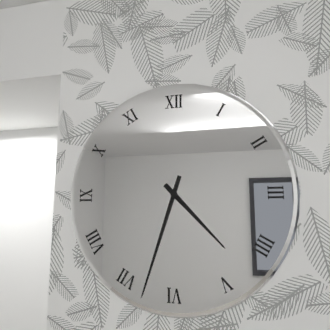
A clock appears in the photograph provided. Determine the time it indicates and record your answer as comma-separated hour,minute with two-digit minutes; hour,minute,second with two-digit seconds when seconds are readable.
4,33
